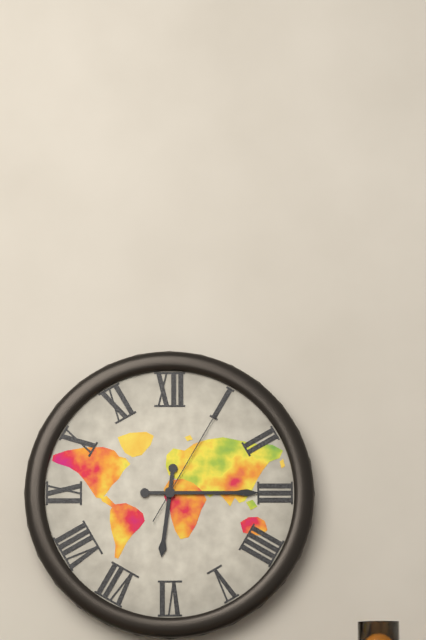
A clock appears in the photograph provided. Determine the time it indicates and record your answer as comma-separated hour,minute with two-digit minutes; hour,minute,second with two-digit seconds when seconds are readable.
6,15,05
